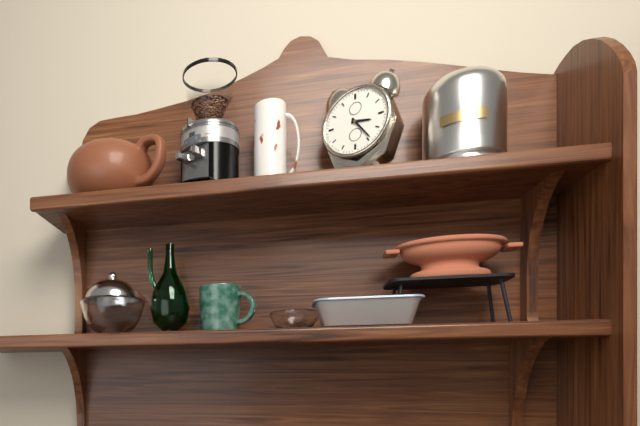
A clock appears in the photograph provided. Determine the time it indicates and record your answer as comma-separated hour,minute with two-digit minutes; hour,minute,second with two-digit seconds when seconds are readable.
3,24
